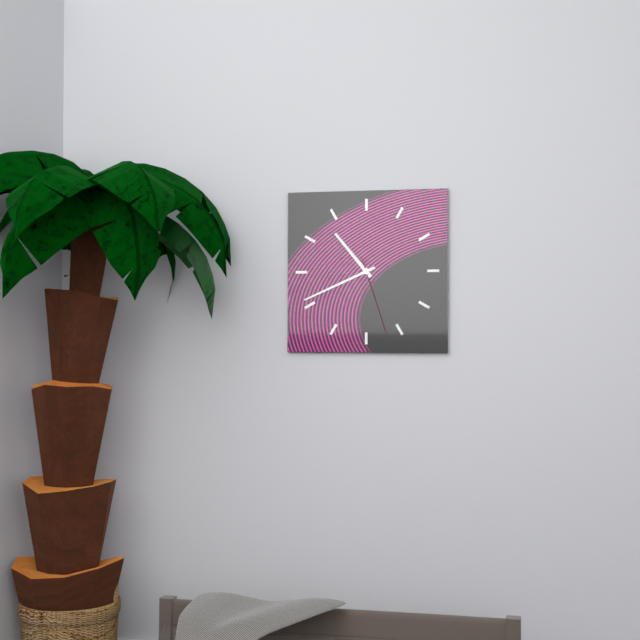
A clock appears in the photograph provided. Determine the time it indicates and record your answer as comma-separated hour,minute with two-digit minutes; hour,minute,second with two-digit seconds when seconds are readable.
10,41,27
